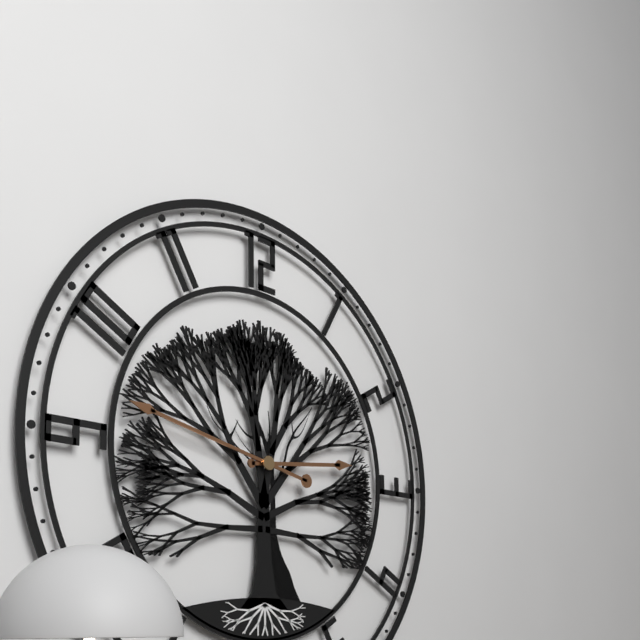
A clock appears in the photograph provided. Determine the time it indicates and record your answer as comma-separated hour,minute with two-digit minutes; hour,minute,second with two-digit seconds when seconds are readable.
2,47
